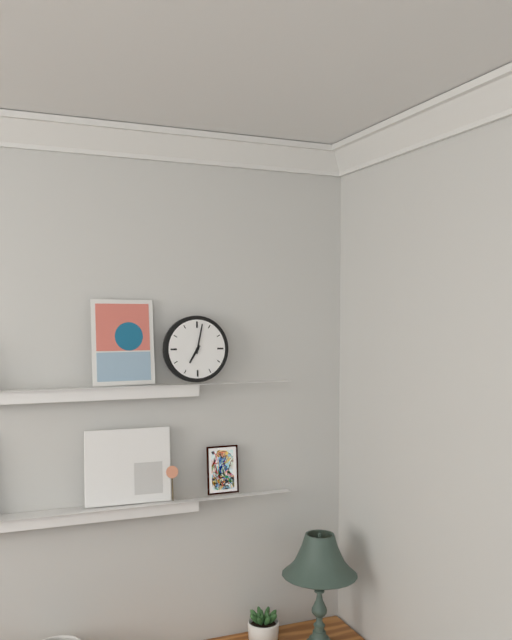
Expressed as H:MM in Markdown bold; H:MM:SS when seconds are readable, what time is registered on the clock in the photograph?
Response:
**7:02**
